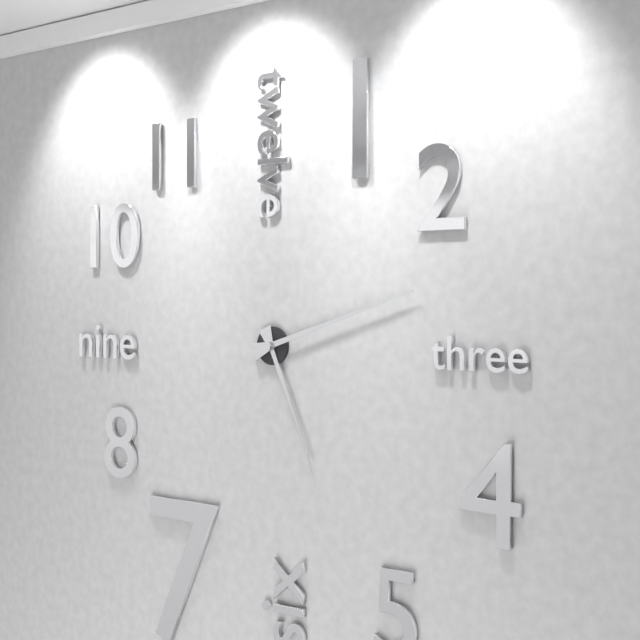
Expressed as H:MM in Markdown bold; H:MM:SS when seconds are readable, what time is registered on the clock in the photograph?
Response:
**5:12**
